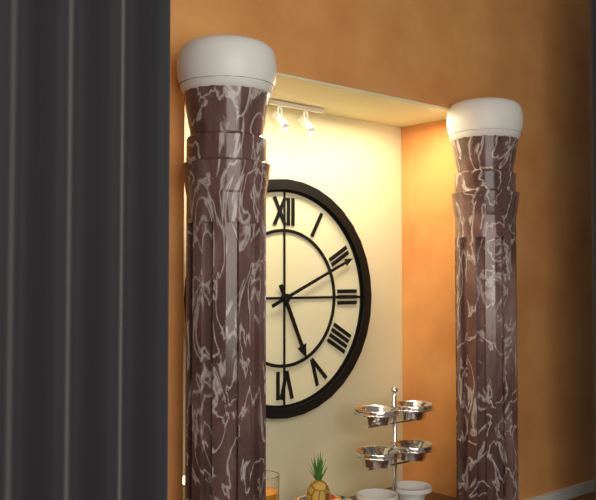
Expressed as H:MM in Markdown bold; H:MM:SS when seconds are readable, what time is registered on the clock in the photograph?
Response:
**5:11**
